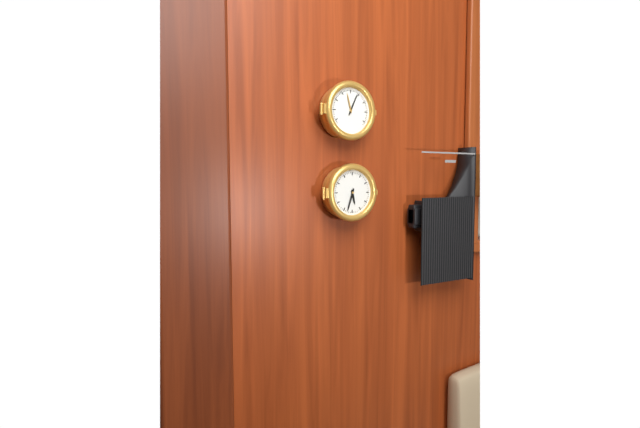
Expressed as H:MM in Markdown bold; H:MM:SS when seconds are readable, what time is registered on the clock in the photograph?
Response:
**5:33**
